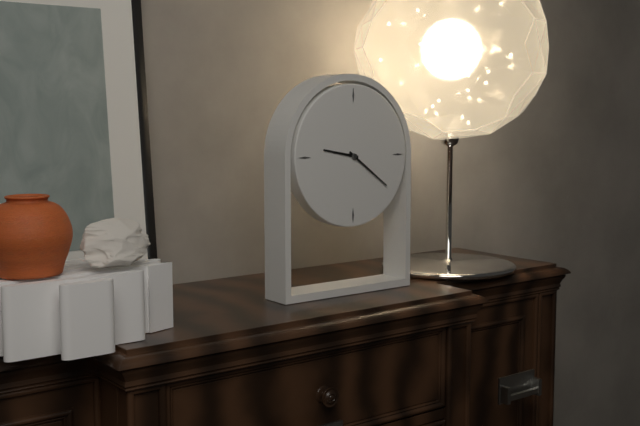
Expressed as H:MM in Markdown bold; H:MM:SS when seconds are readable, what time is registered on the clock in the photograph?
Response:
**9:21**
